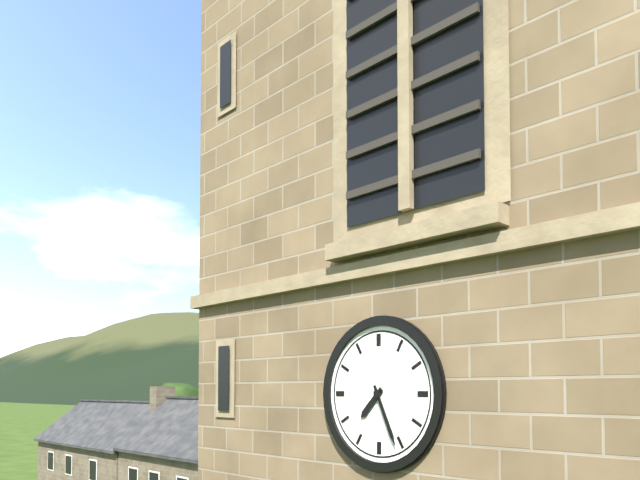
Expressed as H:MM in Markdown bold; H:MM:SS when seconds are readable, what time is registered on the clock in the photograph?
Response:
**7:26**
